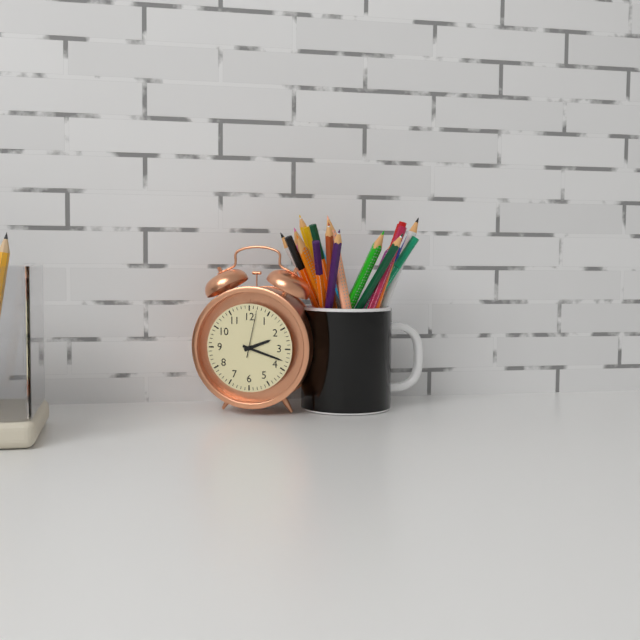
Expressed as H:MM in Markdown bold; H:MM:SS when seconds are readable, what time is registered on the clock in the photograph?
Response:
**2:18**
